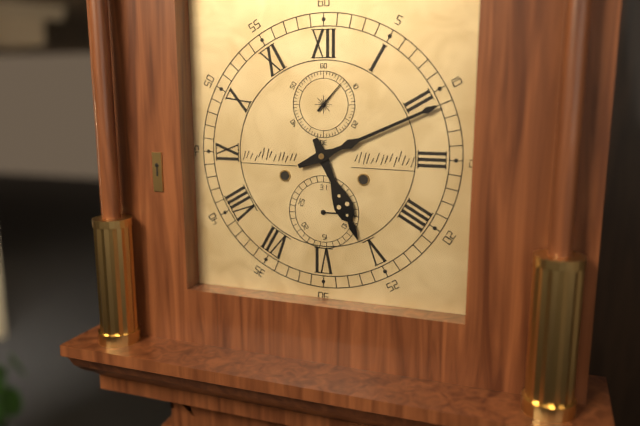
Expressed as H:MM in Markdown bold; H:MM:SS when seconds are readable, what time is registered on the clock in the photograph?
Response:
**5:11**
